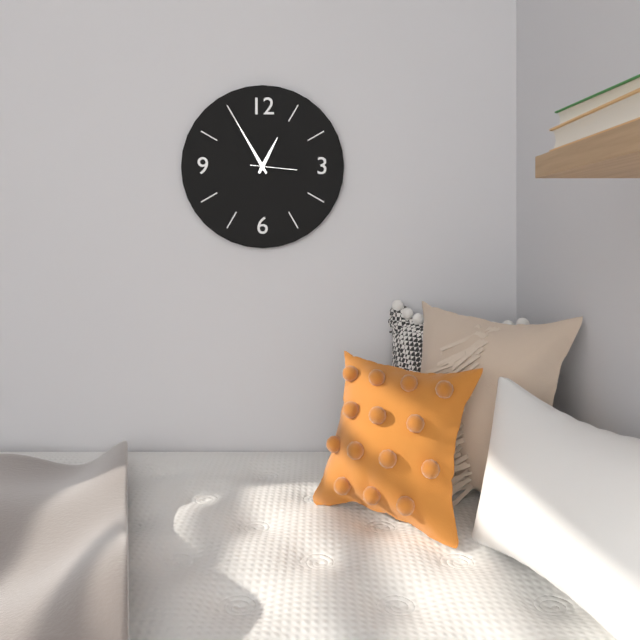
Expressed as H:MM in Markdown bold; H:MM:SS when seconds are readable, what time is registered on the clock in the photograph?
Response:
**12:55**
